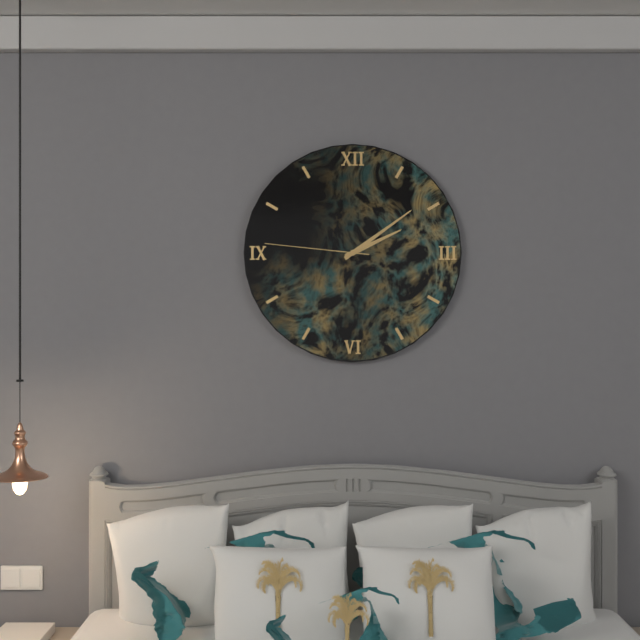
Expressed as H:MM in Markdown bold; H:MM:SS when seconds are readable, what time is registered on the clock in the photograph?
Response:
**2:09:46**
